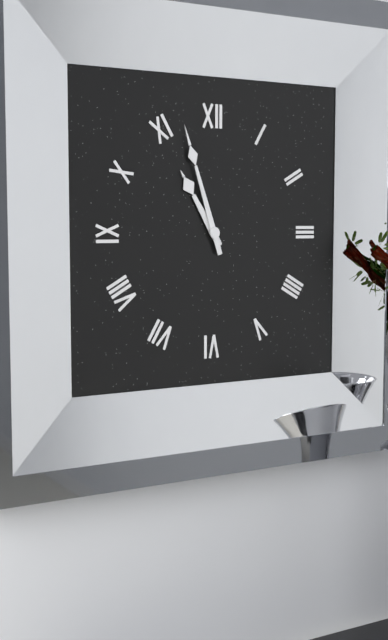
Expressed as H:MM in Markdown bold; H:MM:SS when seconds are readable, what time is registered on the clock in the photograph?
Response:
**10:57**
